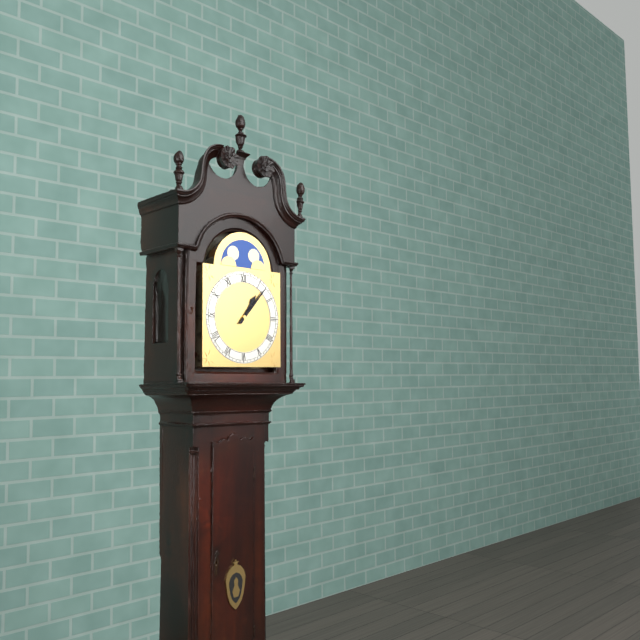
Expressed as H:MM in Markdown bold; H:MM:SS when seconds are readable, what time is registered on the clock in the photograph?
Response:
**1:07**
